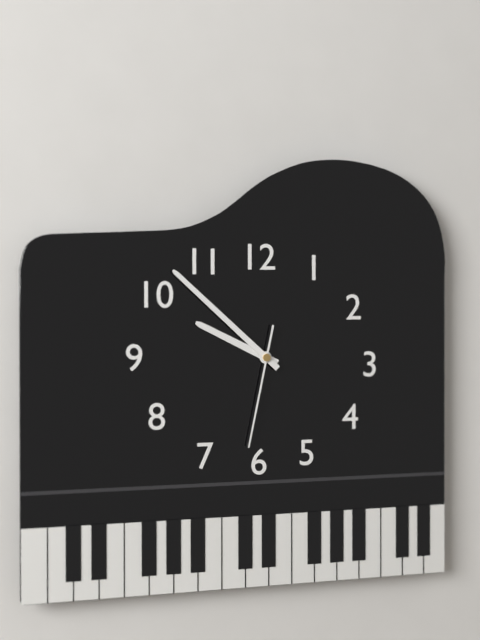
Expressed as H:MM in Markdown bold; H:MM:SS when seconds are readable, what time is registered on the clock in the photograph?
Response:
**9:52:32**
